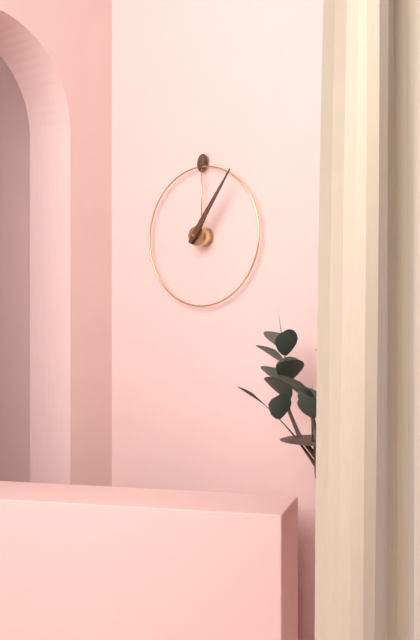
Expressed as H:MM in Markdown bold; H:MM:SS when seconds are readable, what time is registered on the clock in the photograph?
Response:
**1:06**
